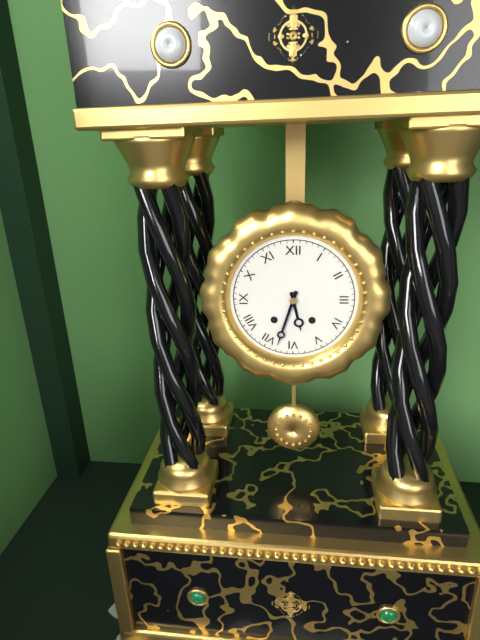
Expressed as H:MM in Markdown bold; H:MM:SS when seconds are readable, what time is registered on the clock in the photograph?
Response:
**5:33**
